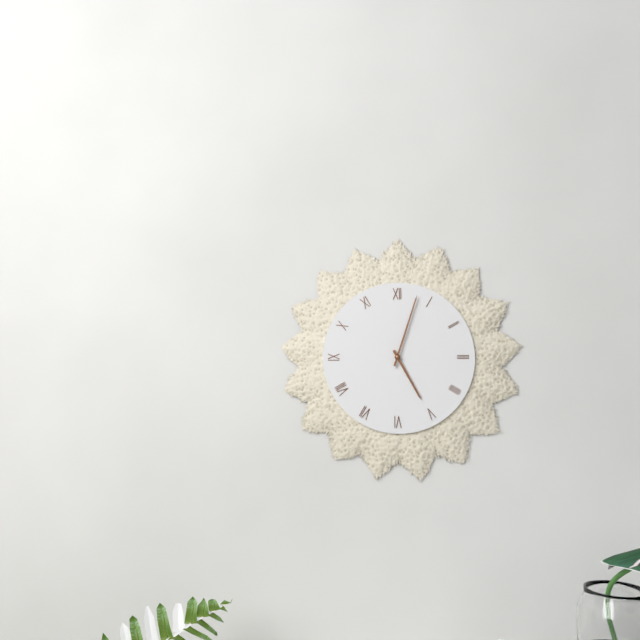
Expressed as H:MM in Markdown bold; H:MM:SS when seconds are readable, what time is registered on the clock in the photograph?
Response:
**5:03**
